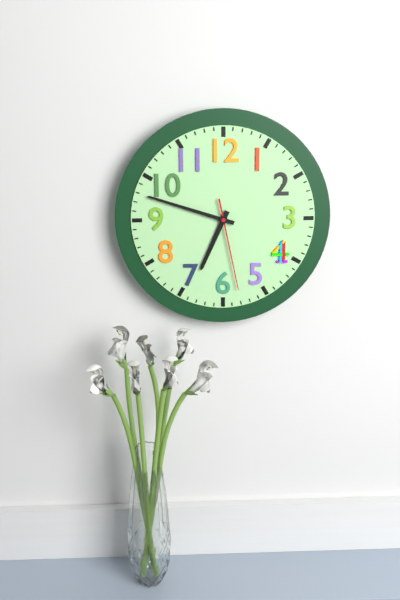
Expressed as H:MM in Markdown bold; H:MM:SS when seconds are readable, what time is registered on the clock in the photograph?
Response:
**6:48:28**
